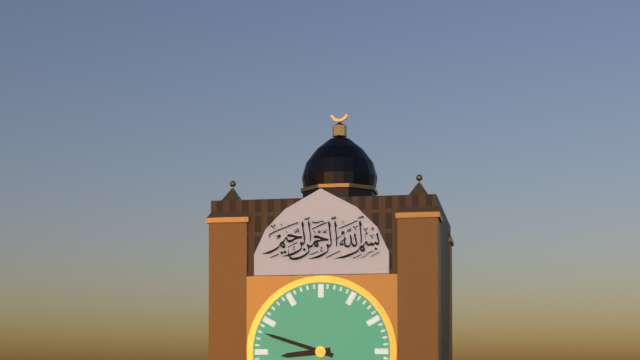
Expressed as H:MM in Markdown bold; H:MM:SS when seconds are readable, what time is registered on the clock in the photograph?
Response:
**8:48**
